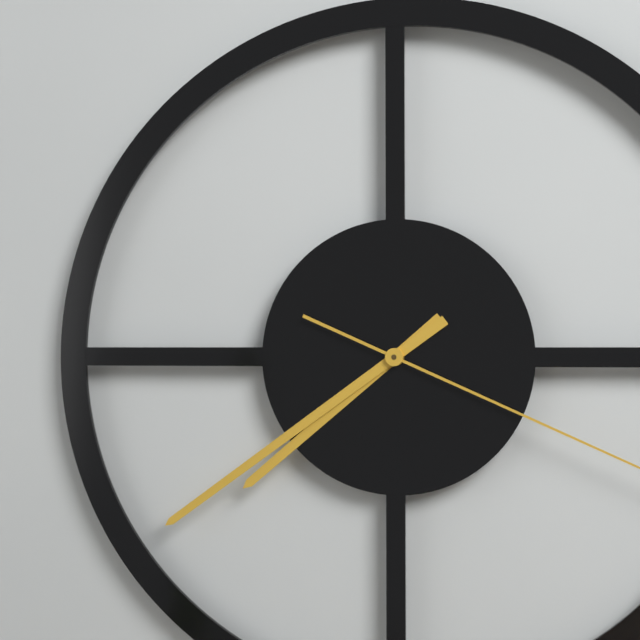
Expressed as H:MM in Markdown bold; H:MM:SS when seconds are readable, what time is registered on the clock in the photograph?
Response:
**7:39**
